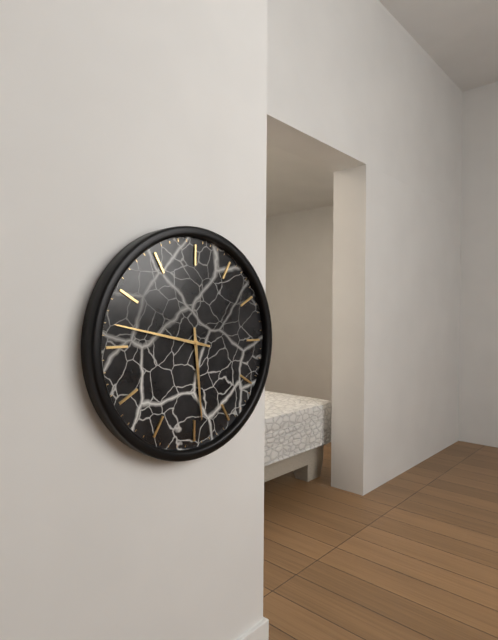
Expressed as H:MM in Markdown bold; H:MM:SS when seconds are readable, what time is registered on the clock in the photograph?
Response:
**5:47**
